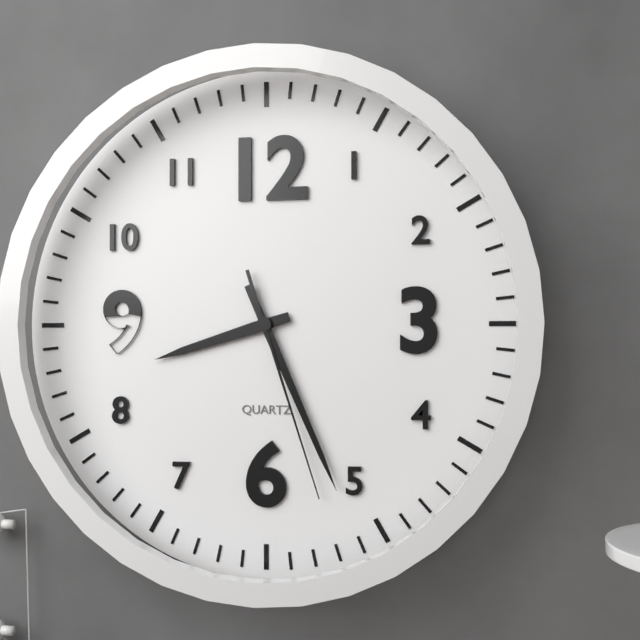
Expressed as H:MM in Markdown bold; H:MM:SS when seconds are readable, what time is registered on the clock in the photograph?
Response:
**8:26:27**
